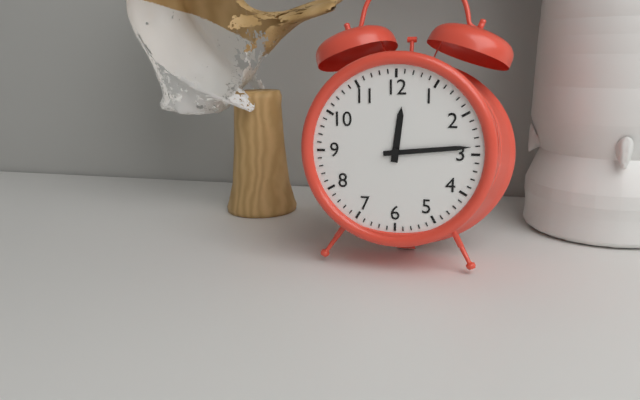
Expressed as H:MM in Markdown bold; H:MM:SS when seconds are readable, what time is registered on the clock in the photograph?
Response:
**12:14**
